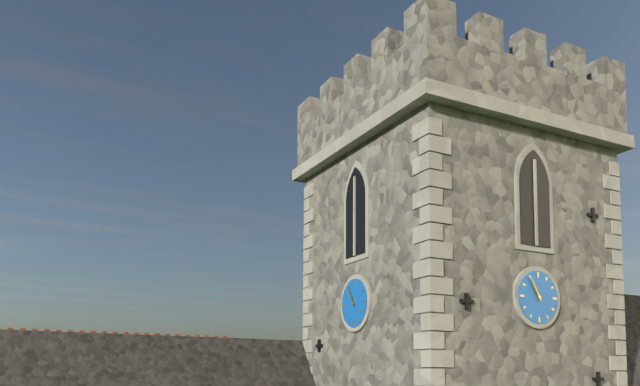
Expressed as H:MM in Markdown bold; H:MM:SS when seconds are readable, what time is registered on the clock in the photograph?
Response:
**10:55**
